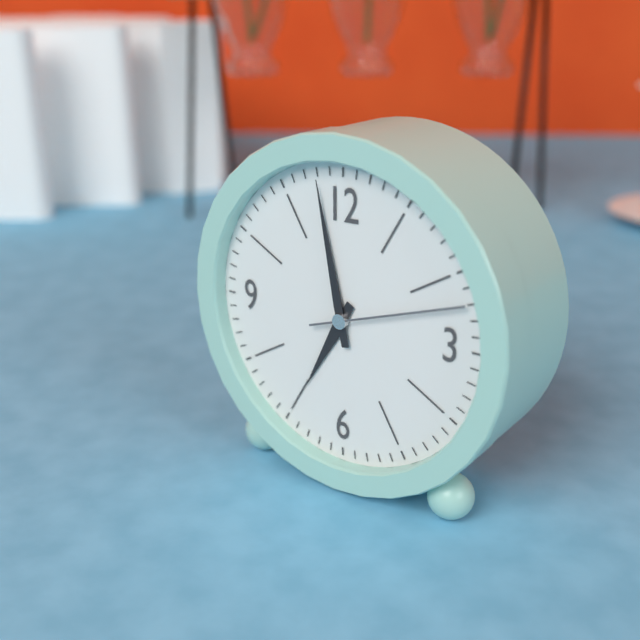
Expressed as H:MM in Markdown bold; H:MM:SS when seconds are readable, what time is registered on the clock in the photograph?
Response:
**6:58:12**
